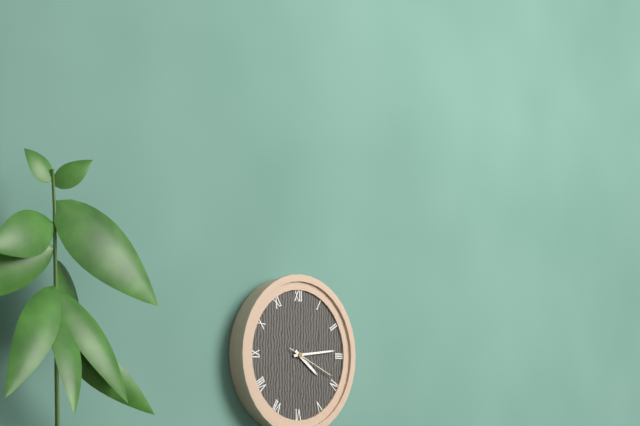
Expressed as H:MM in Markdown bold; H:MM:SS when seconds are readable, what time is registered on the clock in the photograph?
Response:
**4:14**
